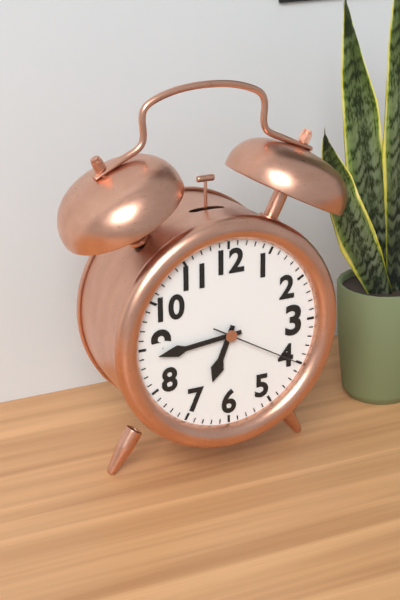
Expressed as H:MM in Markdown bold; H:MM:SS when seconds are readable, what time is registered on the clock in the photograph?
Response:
**6:44:20**
